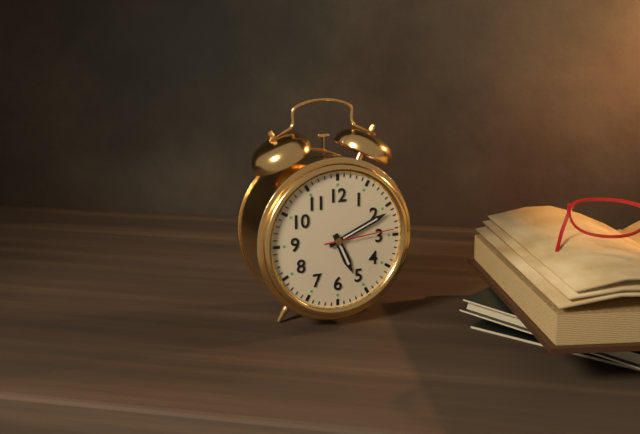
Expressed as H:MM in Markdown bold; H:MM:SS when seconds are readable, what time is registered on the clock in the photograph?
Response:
**5:11:14**
